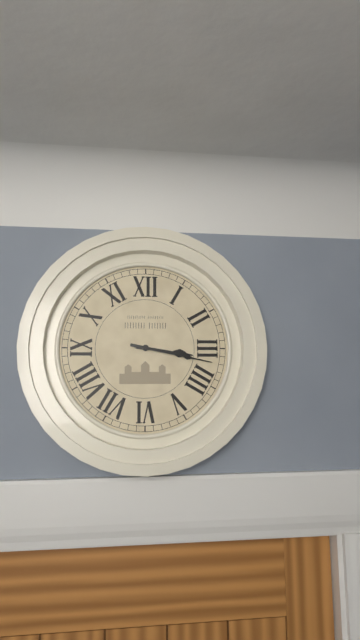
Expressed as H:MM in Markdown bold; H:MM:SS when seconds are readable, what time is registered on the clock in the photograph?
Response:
**3:17**
